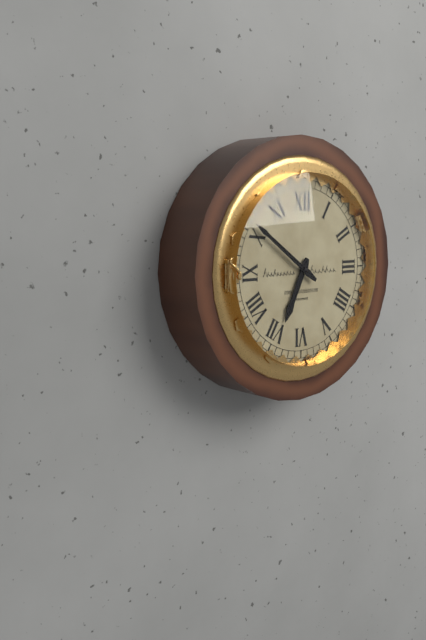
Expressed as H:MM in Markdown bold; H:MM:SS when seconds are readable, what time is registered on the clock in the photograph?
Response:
**6:51**
